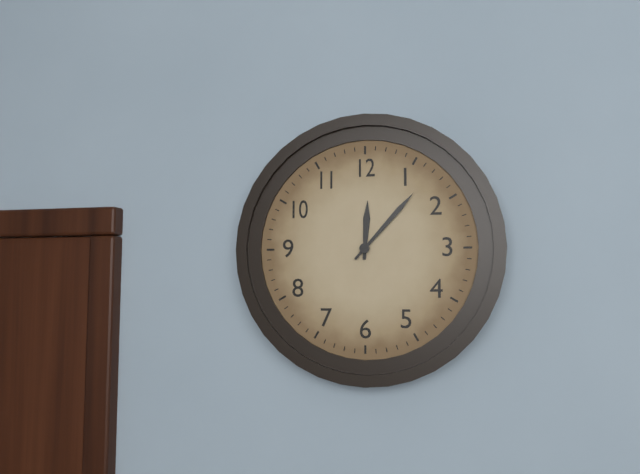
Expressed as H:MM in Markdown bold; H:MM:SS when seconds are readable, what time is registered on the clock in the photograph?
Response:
**12:07**
